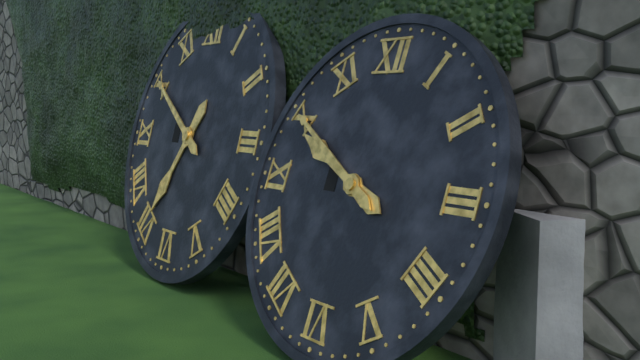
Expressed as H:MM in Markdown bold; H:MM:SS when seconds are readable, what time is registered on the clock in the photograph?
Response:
**9:50**
